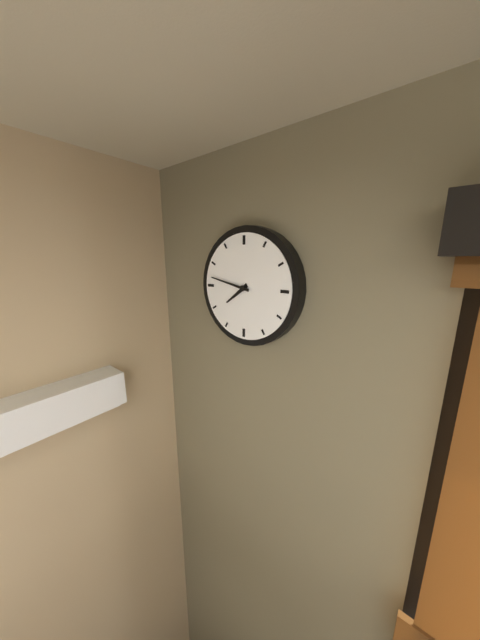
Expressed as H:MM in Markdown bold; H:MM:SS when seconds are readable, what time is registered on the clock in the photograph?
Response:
**7:47**
